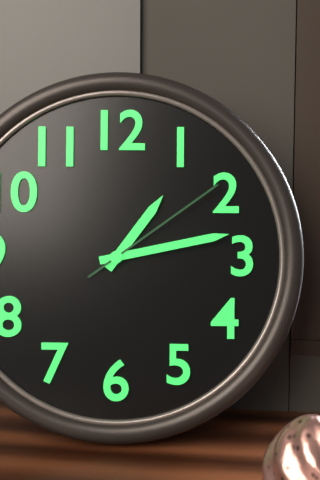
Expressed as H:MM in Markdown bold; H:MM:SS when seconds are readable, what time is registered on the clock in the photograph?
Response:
**1:13:09**
